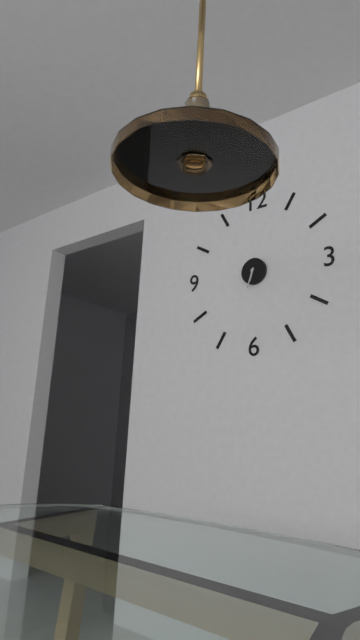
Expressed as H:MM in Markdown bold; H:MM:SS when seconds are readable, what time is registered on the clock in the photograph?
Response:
**6:33**
